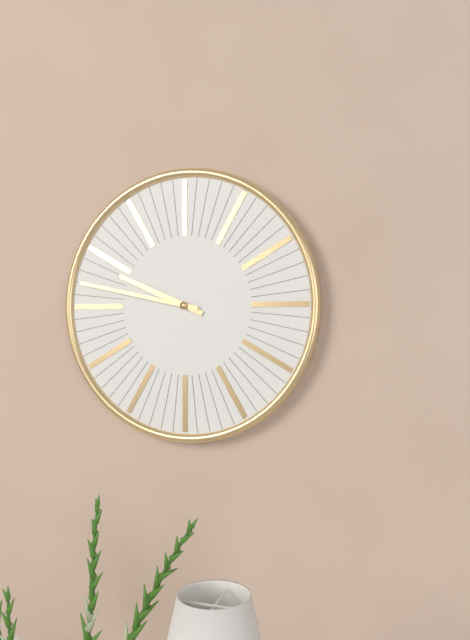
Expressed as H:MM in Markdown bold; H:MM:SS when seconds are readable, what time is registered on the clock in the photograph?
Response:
**9:47**
